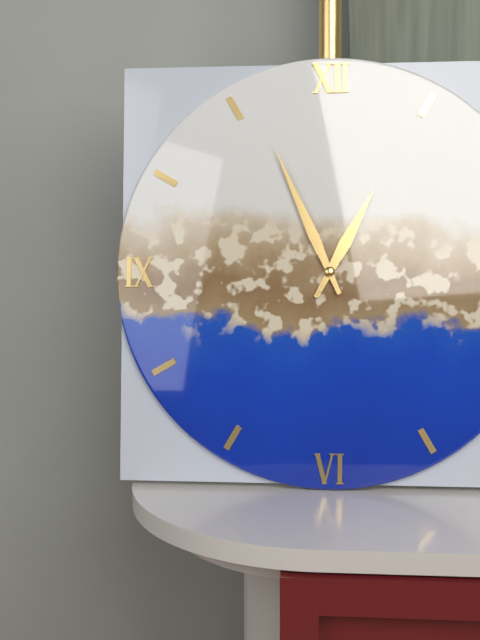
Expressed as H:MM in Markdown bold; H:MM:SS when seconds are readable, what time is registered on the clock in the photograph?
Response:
**12:56**
